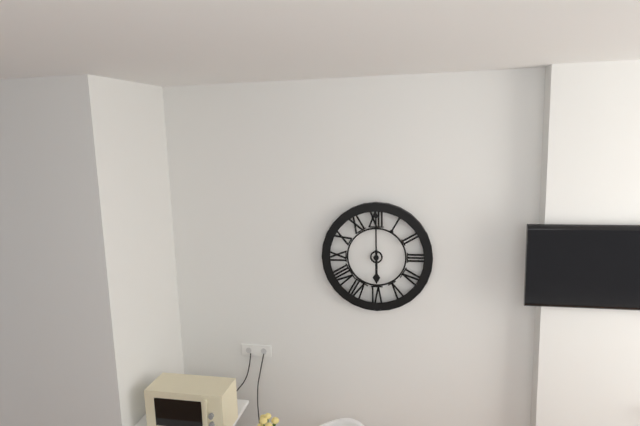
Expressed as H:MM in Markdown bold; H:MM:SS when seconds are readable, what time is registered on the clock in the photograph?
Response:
**6:00**
